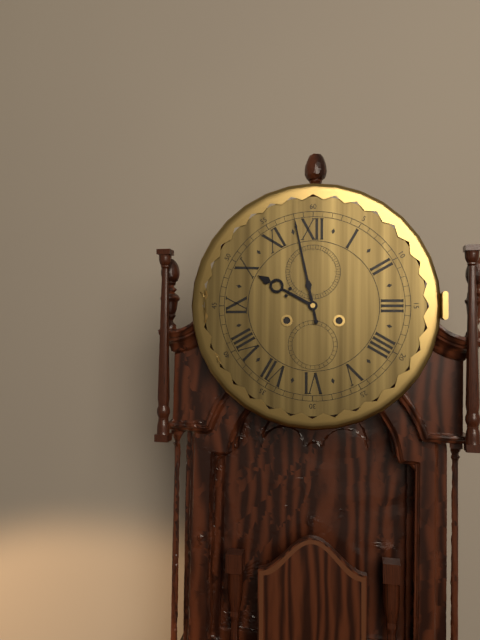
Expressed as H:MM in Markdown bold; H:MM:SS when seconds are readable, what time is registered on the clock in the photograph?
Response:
**9:58**
